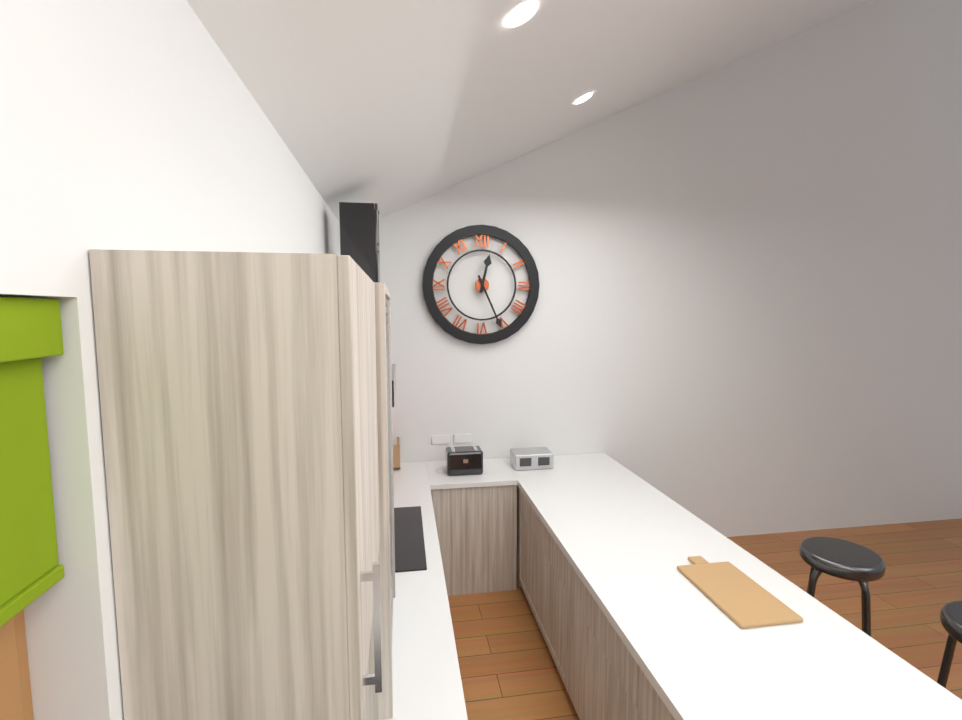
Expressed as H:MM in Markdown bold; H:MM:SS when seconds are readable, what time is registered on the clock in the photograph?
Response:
**12:26**
